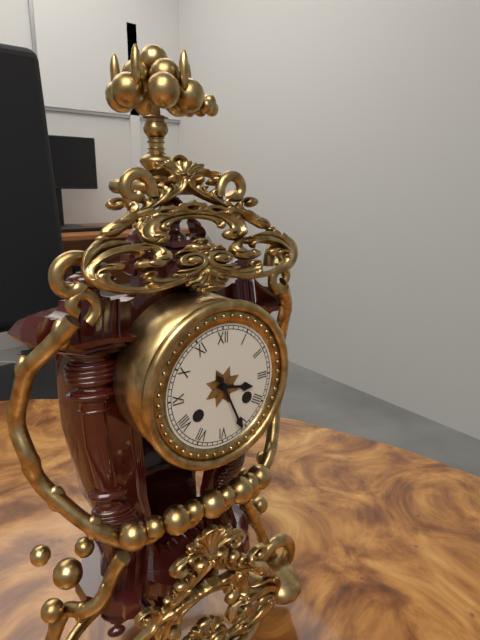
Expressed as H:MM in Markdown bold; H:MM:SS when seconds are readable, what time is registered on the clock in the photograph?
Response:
**3:26**
